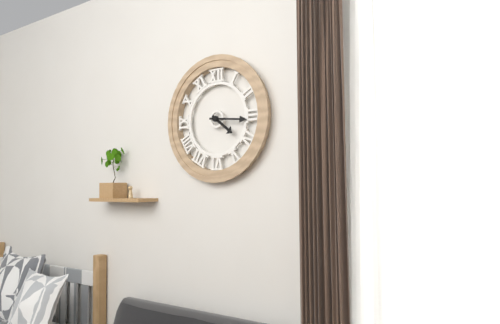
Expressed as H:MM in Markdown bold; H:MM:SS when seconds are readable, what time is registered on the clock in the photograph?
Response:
**4:16**
